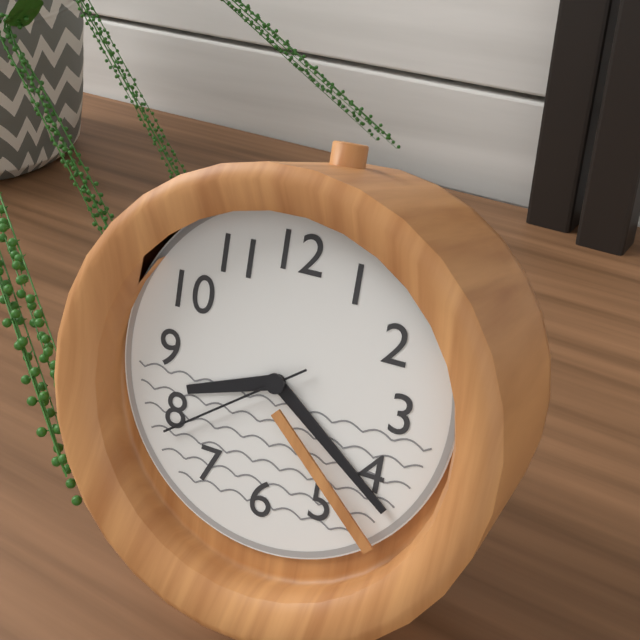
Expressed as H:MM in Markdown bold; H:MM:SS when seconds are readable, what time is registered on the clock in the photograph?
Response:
**8:21:39**
